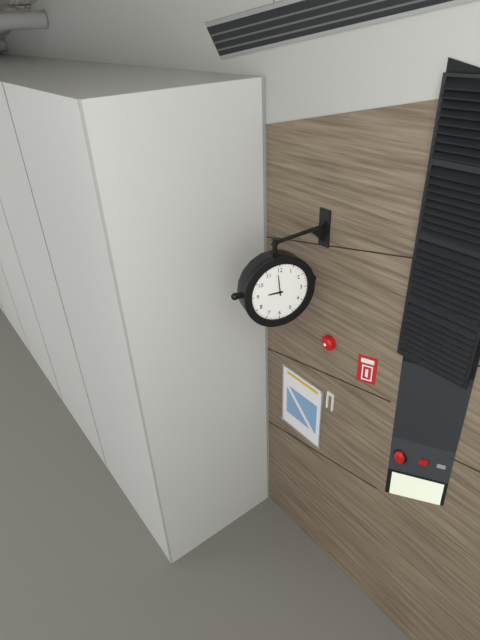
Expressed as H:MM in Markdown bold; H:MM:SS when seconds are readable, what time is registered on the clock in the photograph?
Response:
**8:59**
